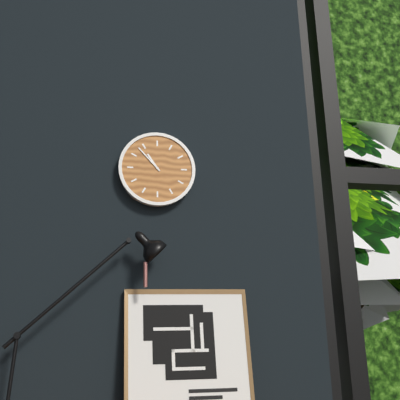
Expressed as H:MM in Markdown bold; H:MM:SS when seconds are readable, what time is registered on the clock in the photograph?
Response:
**10:53**
